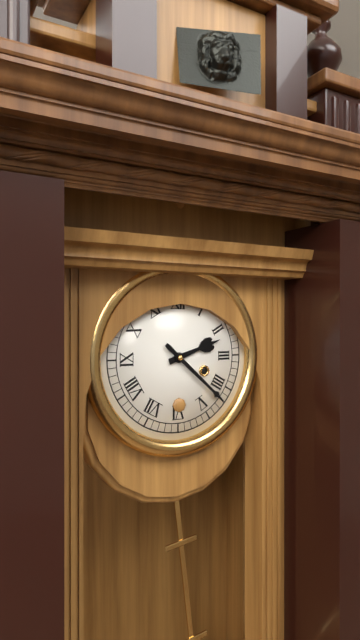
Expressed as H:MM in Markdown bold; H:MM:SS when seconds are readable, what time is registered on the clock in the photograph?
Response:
**2:22**
